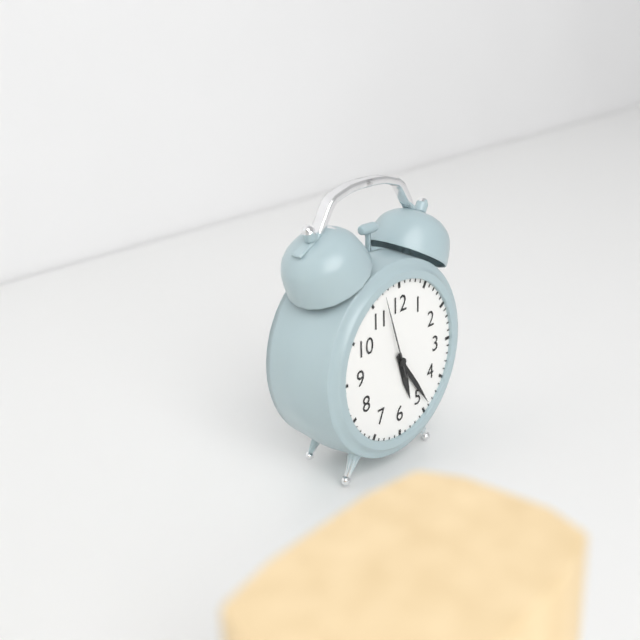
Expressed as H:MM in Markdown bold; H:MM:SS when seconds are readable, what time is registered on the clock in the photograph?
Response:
**5:24:57**
